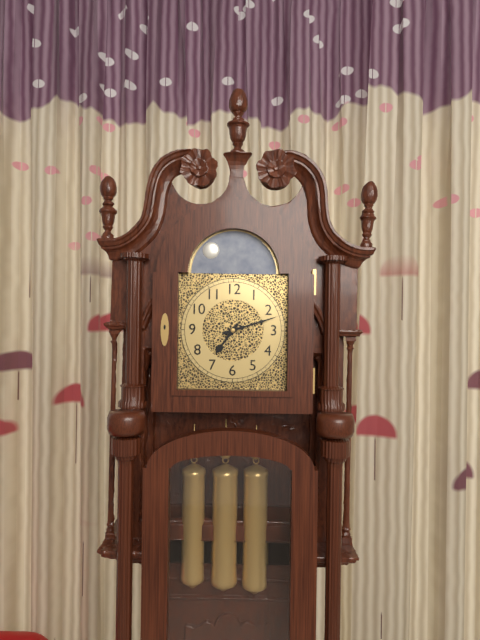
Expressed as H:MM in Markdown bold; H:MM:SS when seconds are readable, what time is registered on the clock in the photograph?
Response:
**7:12**
